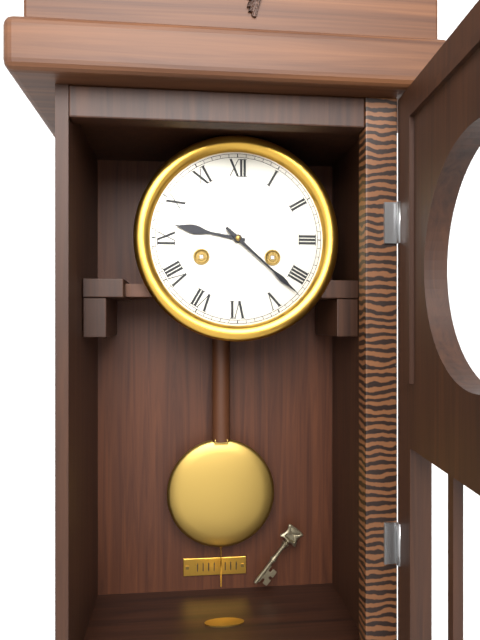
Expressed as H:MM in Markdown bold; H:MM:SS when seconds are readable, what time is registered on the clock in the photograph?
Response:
**9:22**
